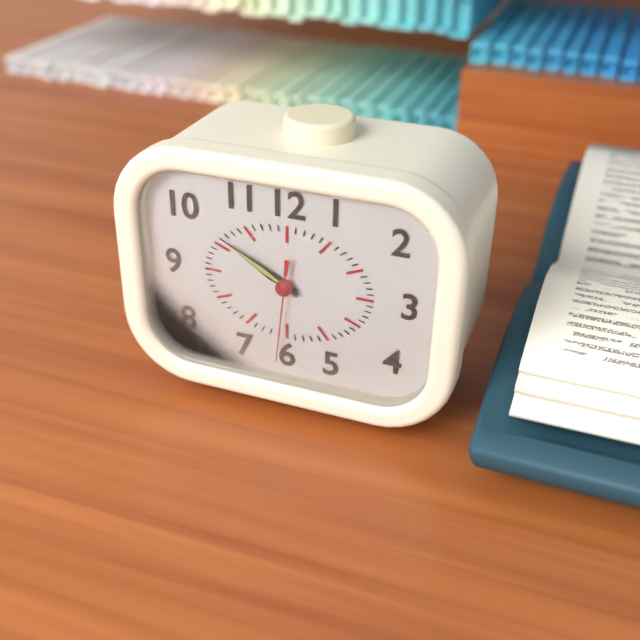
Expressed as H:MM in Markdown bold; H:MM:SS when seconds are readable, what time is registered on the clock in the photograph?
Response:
**9:50:31**
